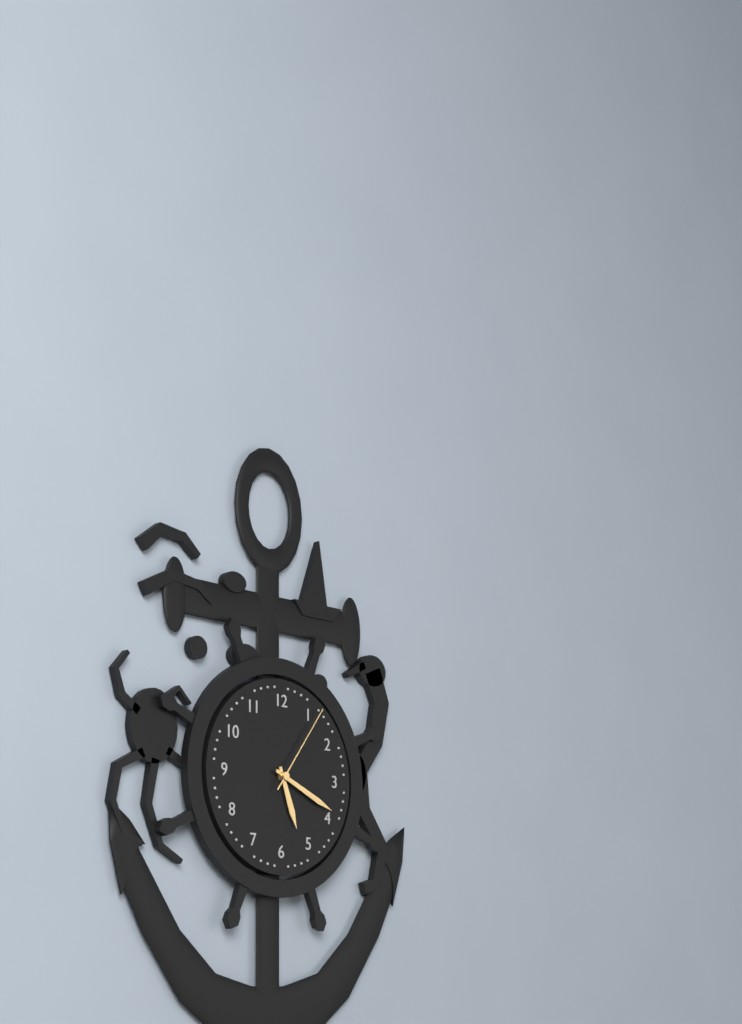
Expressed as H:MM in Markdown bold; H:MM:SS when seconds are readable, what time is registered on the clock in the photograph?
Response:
**5:19:06**
